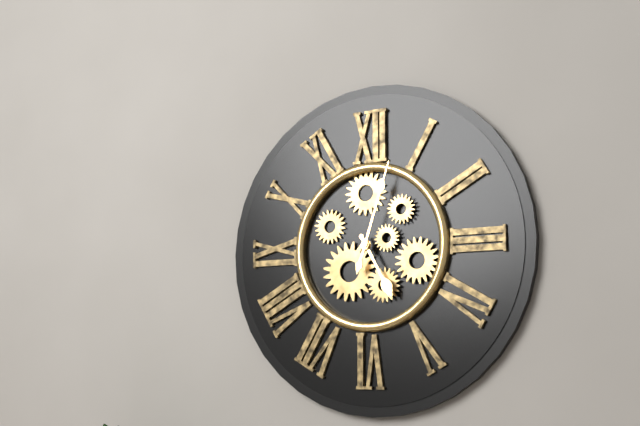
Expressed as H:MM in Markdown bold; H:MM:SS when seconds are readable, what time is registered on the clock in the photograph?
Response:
**5:03**
